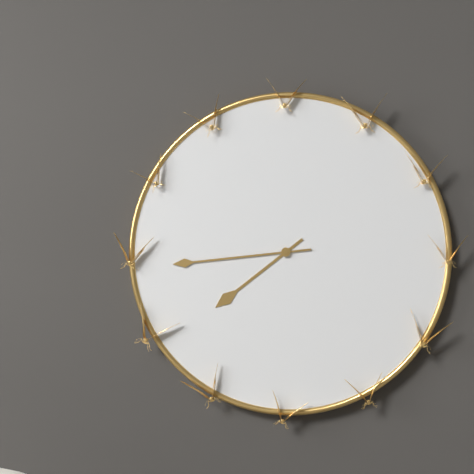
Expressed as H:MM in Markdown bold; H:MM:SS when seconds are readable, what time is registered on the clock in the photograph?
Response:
**7:44**
